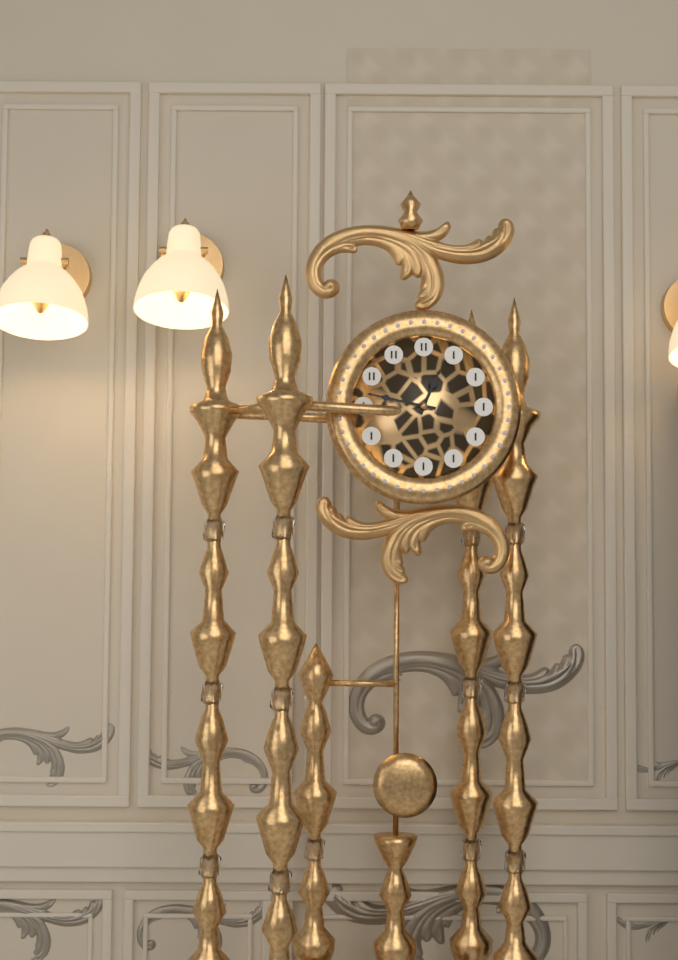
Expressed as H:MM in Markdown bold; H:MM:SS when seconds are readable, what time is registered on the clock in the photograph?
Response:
**12:47**
